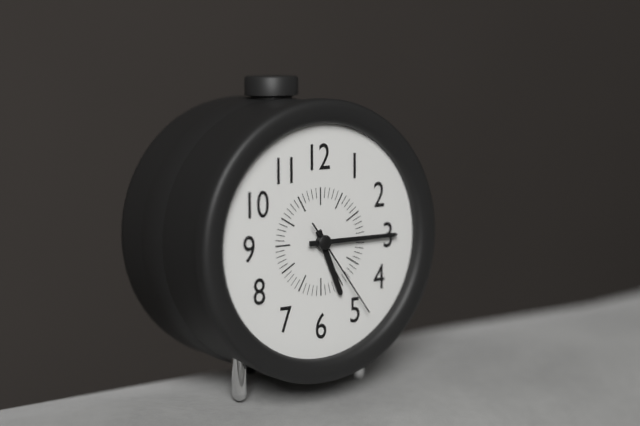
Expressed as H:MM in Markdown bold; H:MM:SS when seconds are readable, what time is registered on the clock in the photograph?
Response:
**5:15:24**
